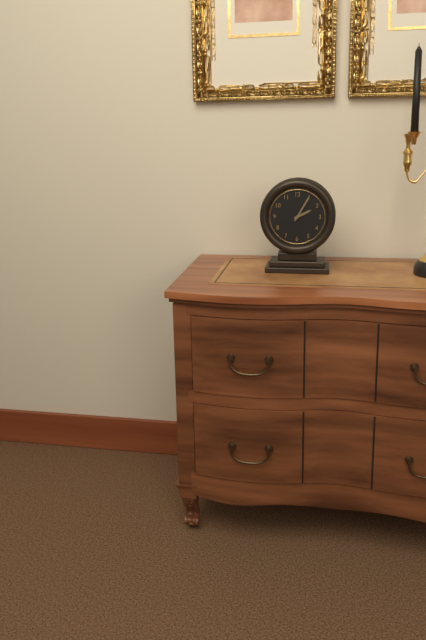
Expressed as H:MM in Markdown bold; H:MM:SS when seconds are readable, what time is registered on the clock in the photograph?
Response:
**2:05**
